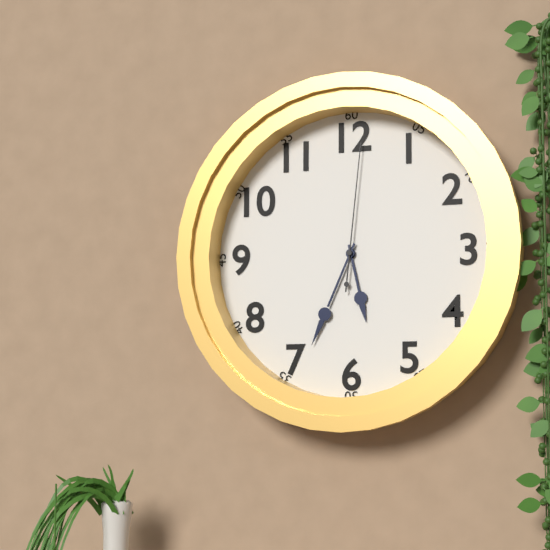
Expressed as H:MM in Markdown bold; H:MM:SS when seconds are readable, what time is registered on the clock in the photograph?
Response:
**5:34:01**
